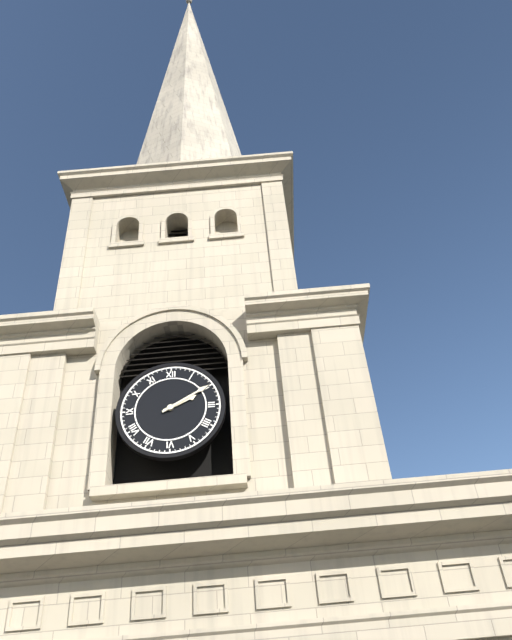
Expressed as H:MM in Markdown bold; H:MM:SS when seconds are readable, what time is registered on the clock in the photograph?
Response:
**2:10**
